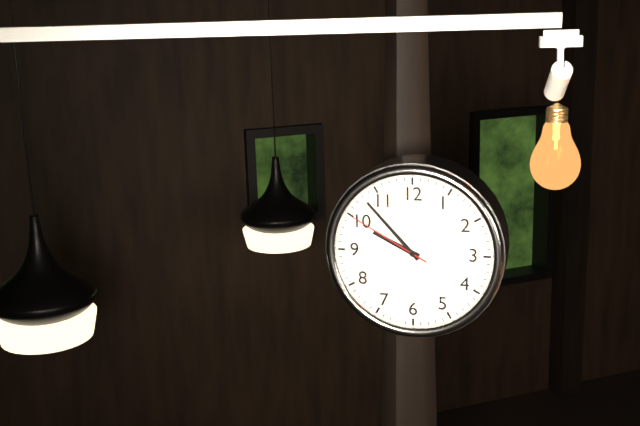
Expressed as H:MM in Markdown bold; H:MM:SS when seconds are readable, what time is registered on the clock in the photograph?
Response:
**9:53:50**
